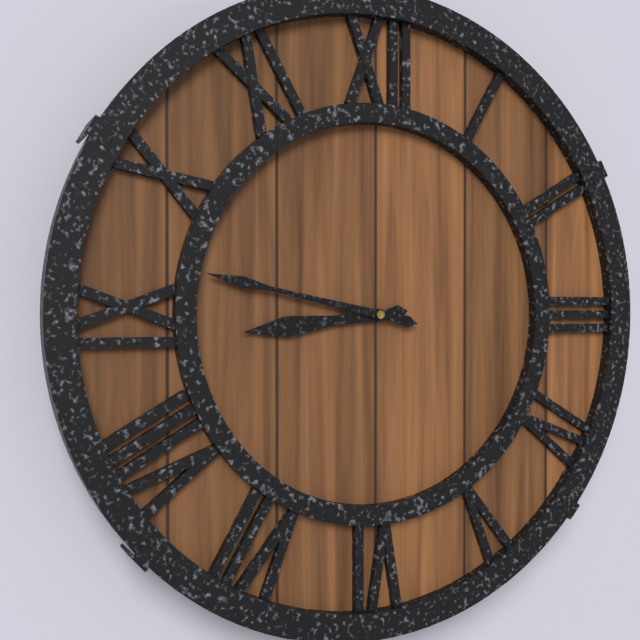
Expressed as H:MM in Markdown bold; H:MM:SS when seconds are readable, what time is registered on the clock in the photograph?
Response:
**8:47**
